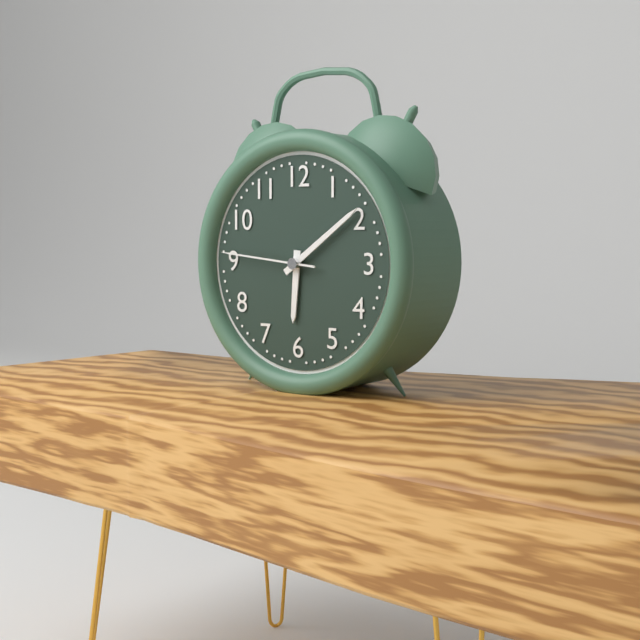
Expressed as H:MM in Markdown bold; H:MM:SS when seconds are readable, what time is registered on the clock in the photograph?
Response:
**6:09:46**
